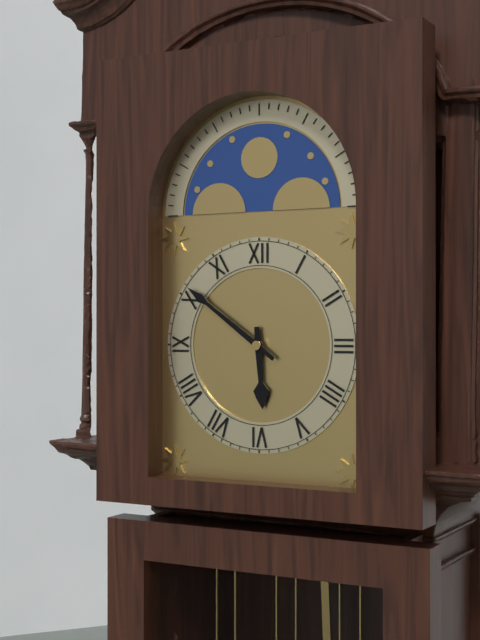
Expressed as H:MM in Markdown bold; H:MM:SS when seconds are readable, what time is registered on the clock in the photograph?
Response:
**5:51**
